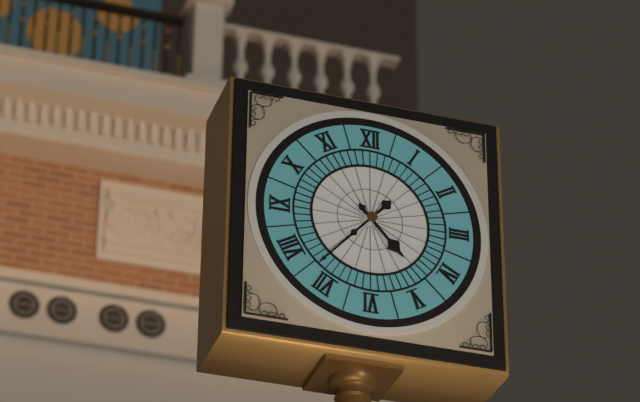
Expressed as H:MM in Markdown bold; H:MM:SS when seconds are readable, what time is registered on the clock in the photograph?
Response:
**4:37**
